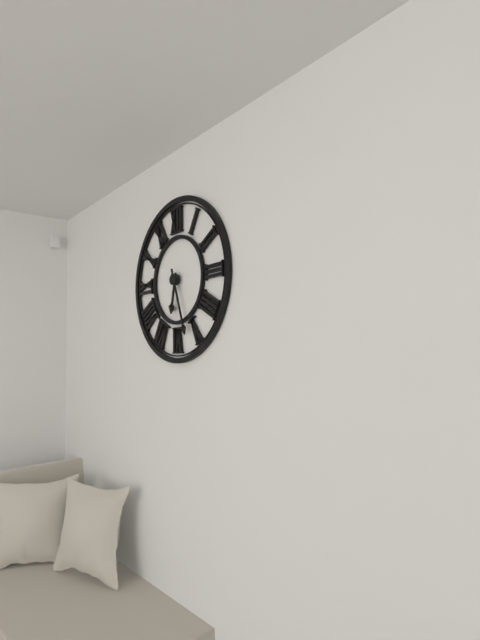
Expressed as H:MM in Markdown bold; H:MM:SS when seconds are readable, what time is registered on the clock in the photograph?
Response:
**6:27**
